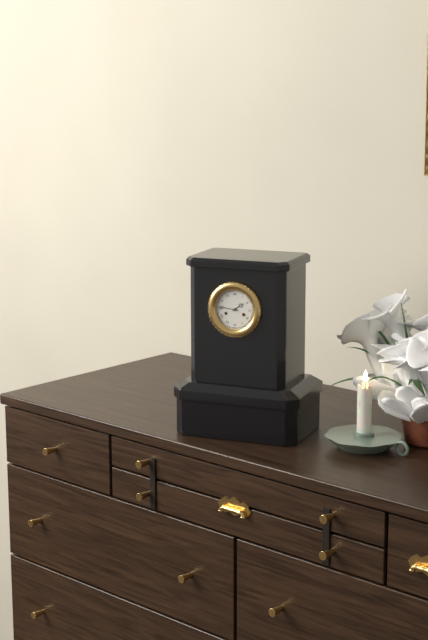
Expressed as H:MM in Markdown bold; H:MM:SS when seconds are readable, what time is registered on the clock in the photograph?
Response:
**1:46**
